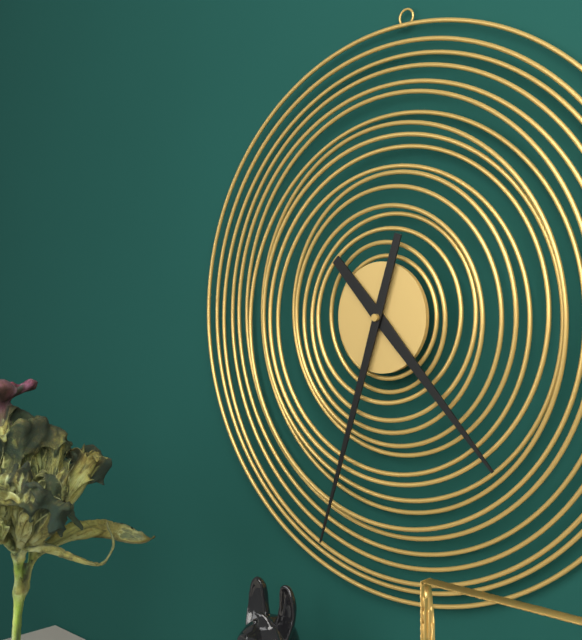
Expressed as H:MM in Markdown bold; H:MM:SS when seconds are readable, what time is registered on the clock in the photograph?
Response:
**4:33**
